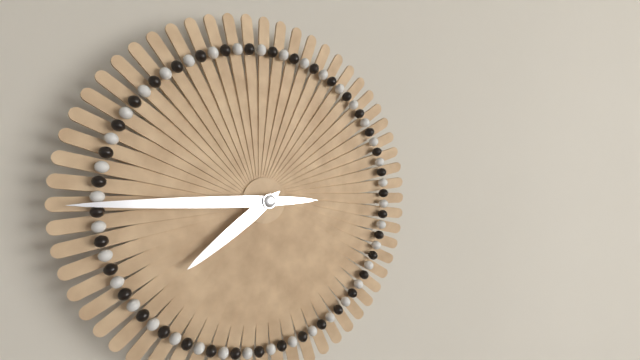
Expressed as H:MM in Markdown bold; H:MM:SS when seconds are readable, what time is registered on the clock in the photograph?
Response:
**7:45**
